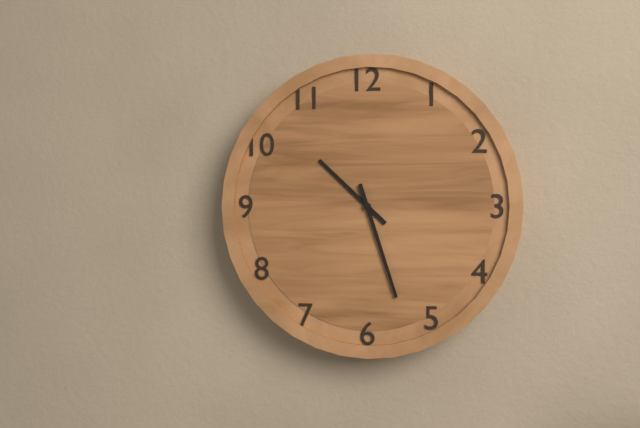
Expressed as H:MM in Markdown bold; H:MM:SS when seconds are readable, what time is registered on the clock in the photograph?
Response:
**10:27**
